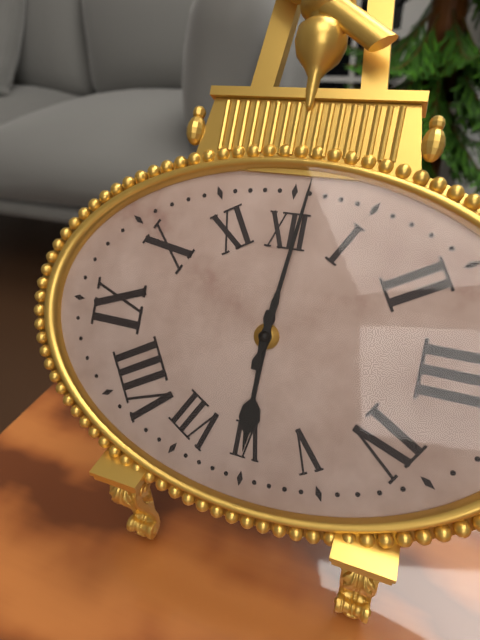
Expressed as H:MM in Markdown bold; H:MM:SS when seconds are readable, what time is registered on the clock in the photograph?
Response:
**6:01**
